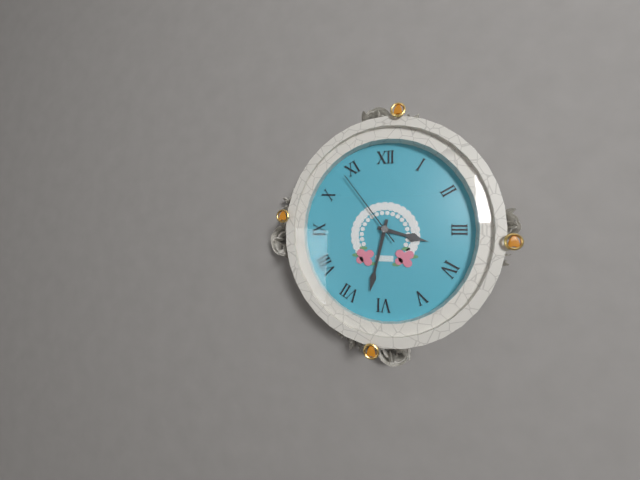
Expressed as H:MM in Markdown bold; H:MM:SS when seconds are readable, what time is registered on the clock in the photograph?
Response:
**3:32:54**
